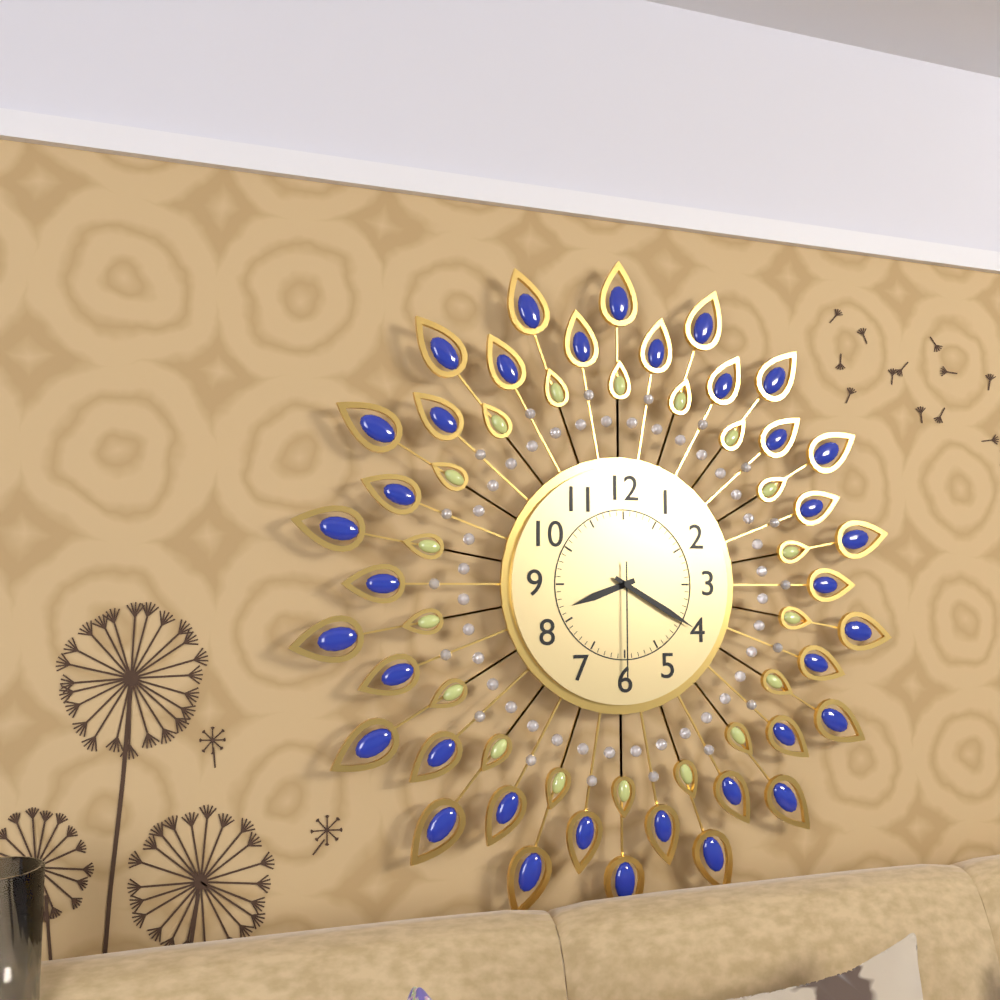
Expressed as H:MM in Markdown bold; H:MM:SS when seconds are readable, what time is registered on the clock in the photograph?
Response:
**8:20:30**
